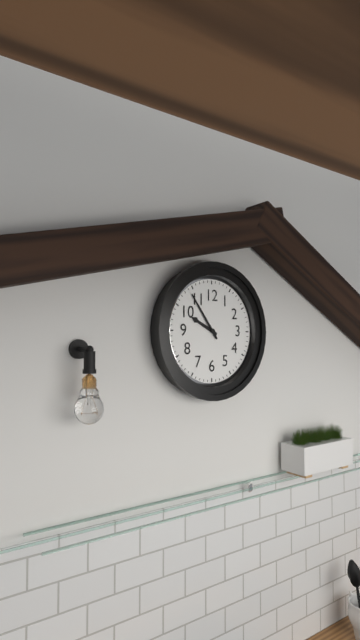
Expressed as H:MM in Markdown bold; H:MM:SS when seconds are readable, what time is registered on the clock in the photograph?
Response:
**9:54**
